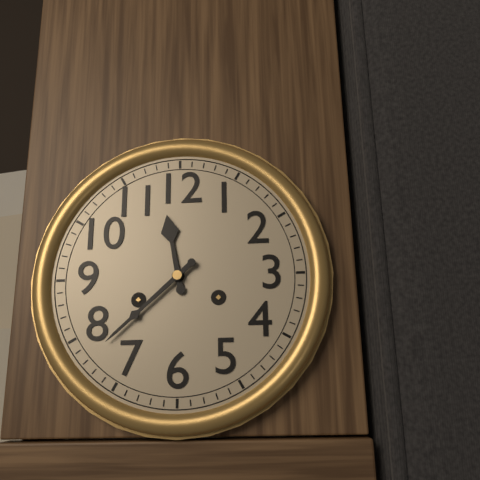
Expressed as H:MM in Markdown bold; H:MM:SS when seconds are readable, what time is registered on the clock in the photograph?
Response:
**11:38**
